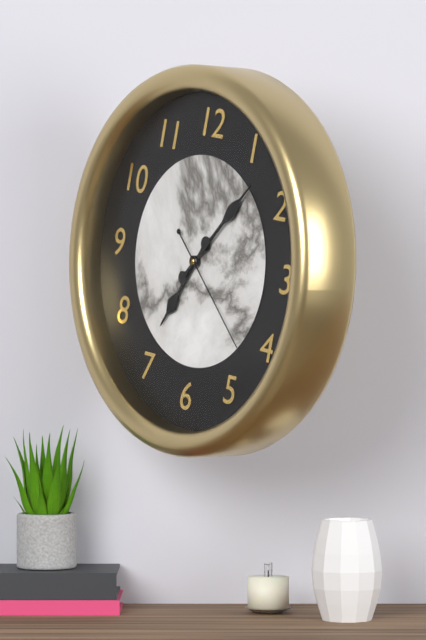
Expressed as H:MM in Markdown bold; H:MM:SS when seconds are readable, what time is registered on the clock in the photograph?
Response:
**7:07:22**
